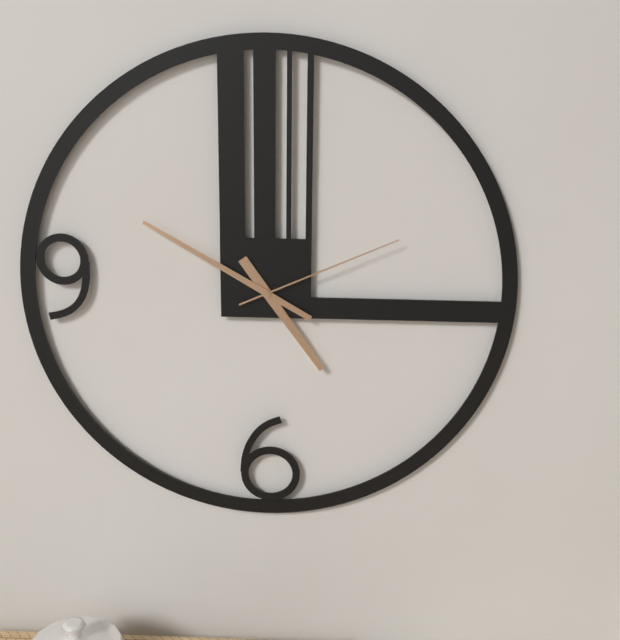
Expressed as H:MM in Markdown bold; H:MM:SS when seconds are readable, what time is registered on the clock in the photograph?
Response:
**4:50:11**
